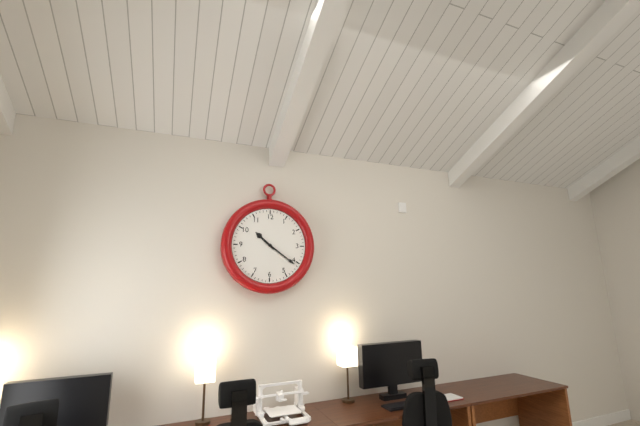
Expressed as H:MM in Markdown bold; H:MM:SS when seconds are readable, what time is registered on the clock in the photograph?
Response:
**10:21**
